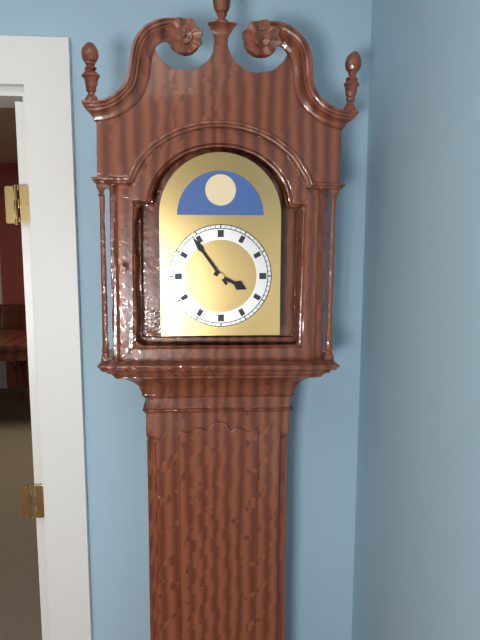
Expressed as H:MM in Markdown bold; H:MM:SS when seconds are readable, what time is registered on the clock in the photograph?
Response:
**3:54**
